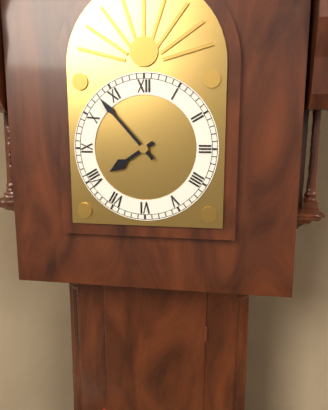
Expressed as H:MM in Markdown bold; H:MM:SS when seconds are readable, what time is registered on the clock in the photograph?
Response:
**7:53**
